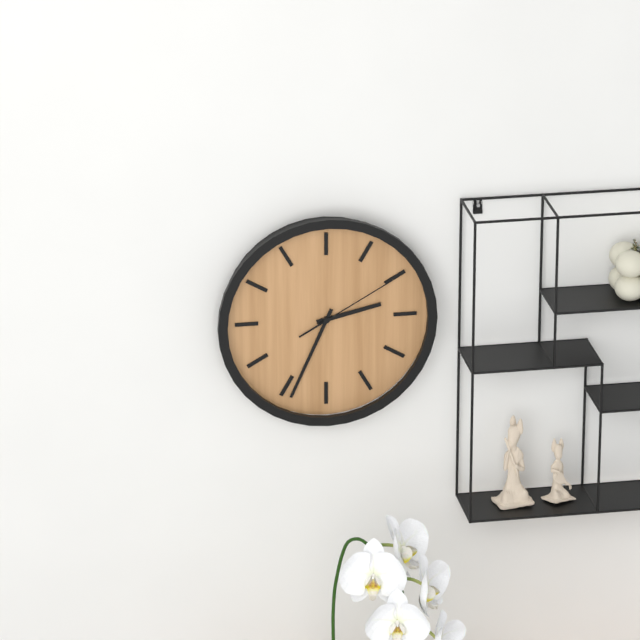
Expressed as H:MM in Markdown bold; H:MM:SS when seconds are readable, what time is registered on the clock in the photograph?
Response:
**2:34:10**
